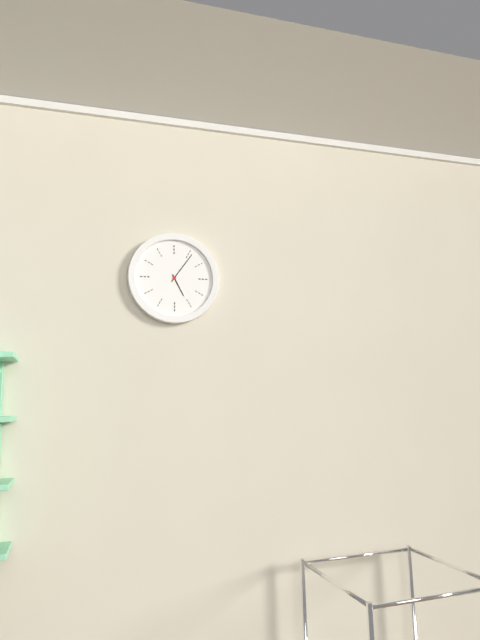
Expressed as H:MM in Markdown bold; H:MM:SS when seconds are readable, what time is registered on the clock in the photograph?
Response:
**5:06**
